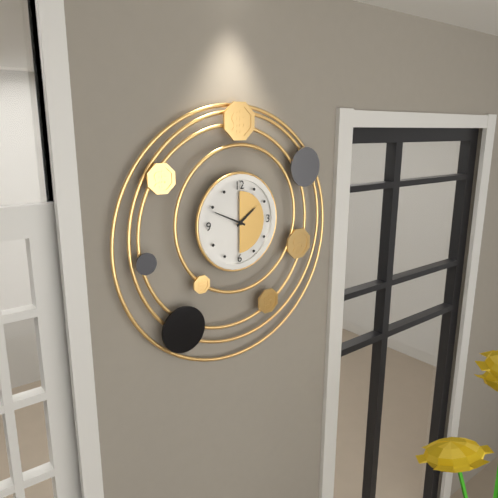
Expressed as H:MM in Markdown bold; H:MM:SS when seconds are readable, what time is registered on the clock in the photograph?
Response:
**1:49**
